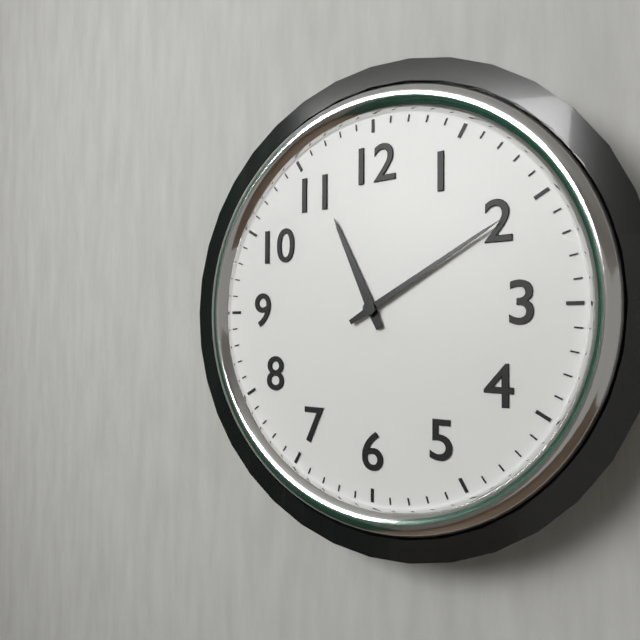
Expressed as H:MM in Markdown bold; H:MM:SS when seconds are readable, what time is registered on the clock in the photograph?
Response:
**11:10**
